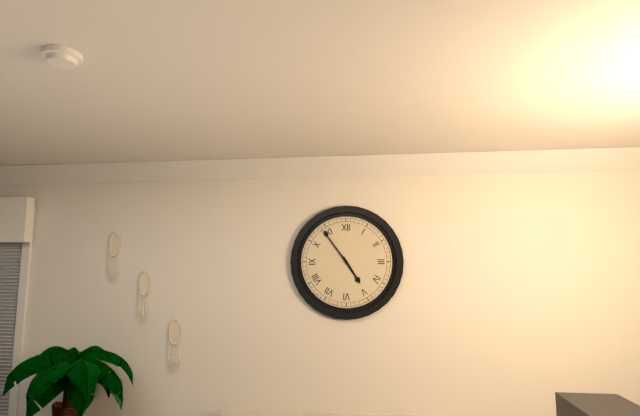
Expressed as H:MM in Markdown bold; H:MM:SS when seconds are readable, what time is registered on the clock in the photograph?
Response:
**4:54**
